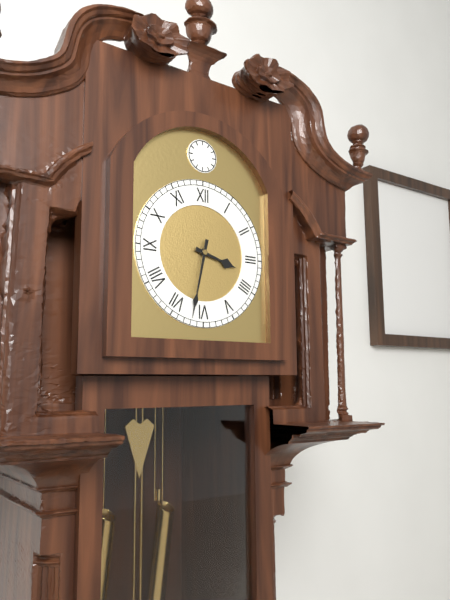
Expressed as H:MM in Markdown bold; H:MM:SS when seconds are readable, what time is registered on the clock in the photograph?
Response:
**3:32**
